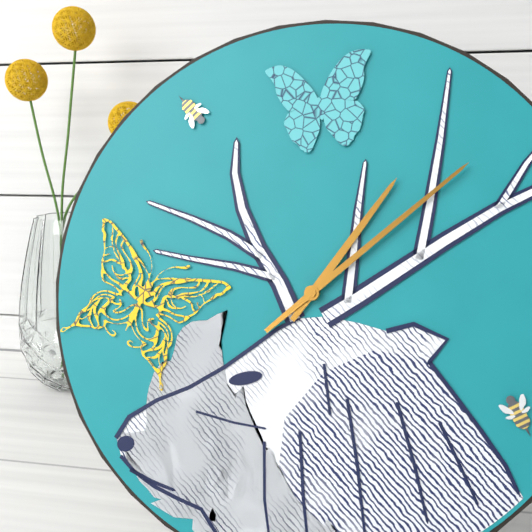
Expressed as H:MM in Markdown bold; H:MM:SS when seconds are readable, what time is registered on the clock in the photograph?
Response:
**1:08**
